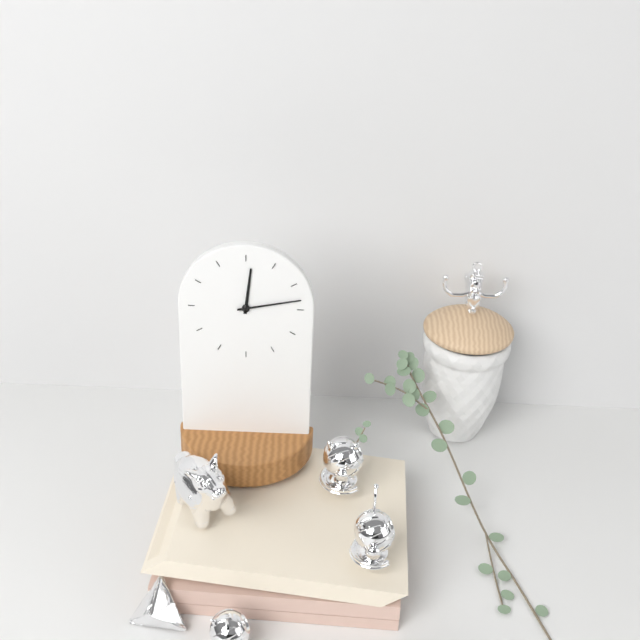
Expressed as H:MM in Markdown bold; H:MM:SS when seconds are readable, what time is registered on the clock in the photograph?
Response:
**12:13**
